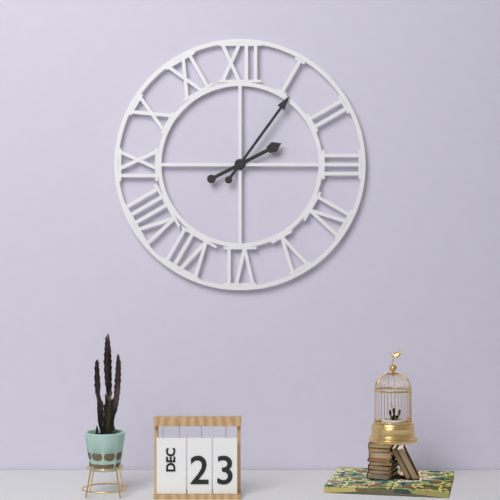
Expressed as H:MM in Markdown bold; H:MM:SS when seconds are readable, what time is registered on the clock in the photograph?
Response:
**2:06**
